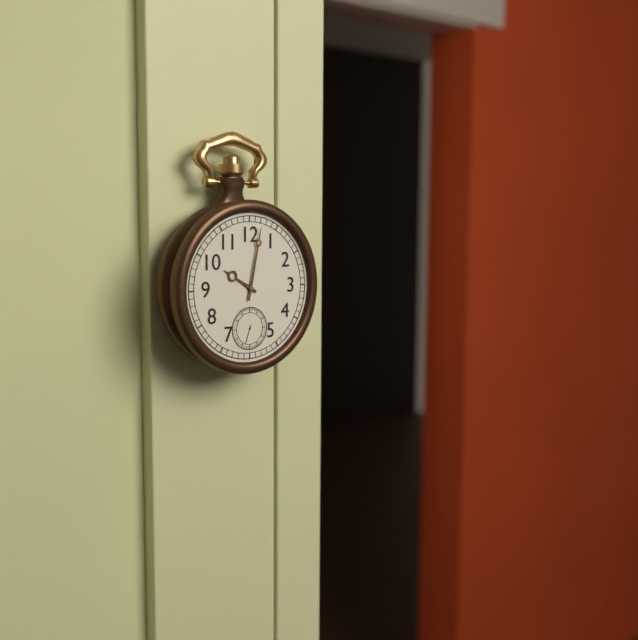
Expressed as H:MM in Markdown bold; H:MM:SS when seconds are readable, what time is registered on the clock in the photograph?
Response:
**10:02**
